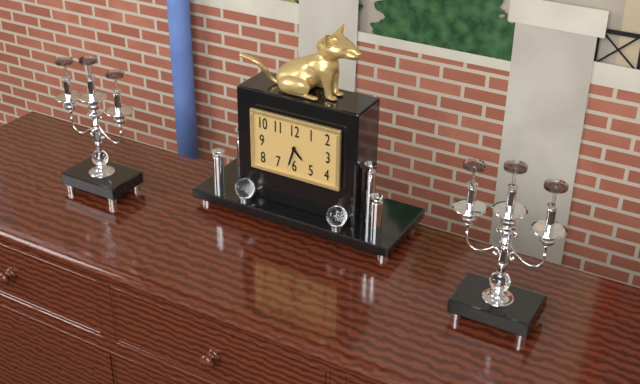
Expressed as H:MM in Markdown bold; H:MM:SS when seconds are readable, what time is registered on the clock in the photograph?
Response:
**4:33**
